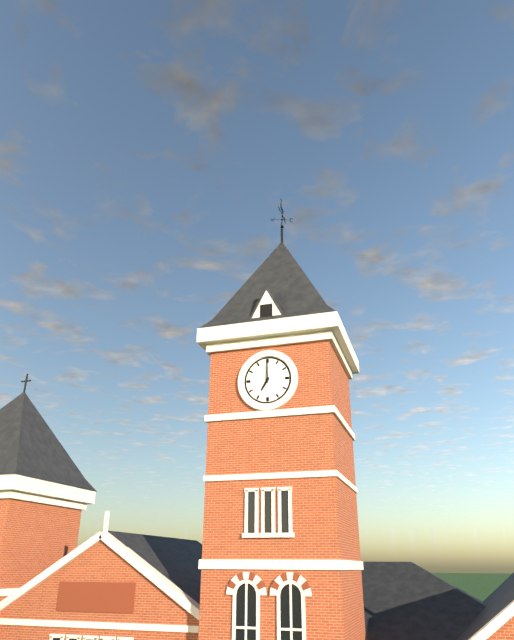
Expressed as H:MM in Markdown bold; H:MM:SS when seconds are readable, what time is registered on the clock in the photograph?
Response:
**7:00**
